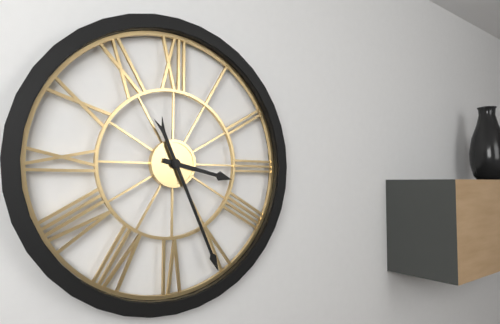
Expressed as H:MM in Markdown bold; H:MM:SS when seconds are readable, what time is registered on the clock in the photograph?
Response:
**3:26**
